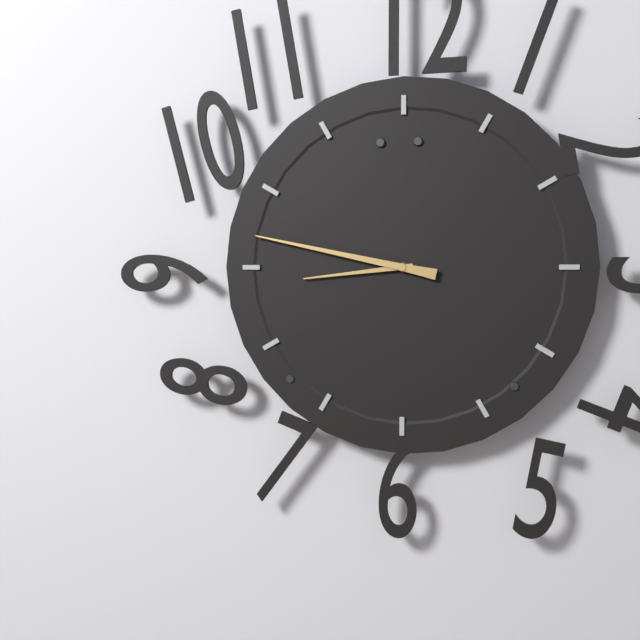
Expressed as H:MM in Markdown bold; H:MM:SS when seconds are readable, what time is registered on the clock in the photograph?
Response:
**8:47**
